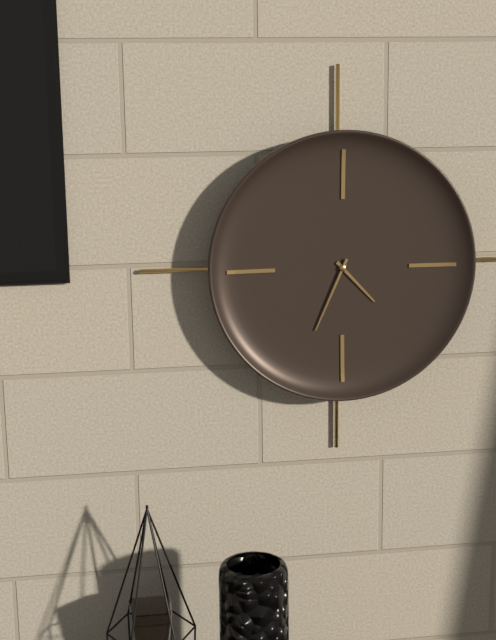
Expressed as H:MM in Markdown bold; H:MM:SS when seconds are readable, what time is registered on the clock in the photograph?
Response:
**4:34**
